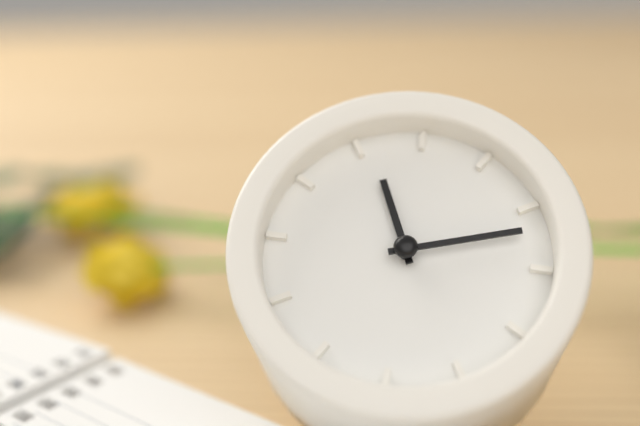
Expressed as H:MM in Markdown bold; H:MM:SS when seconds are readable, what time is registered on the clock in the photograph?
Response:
**11:12**
